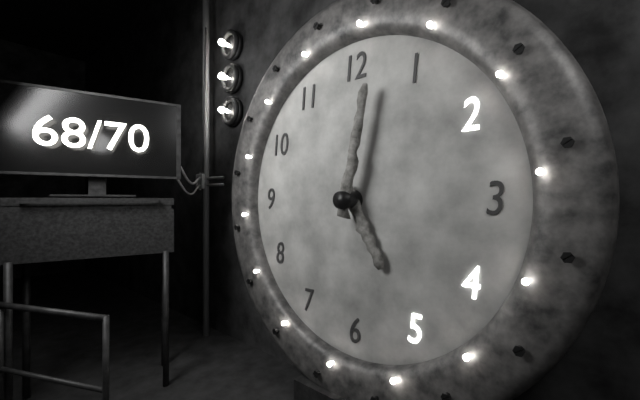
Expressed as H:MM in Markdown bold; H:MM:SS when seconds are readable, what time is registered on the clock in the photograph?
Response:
**5:02**
